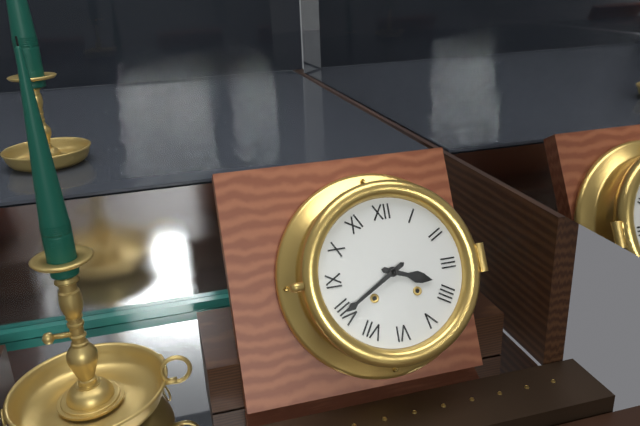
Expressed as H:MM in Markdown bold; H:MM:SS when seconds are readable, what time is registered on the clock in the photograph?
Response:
**3:40**
